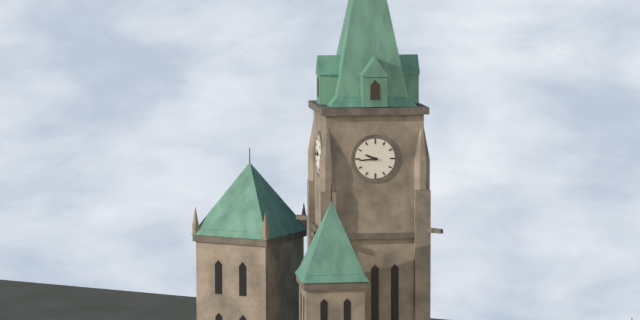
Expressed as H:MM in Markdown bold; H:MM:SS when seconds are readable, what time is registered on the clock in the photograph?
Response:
**9:44**
